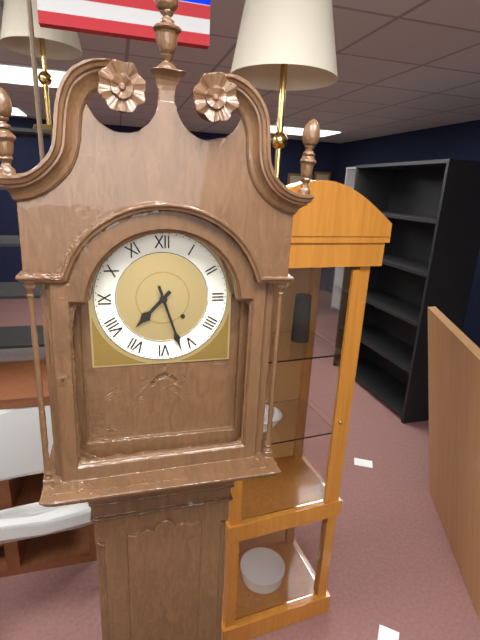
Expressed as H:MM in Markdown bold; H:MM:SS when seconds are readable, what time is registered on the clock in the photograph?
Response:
**7:27**
